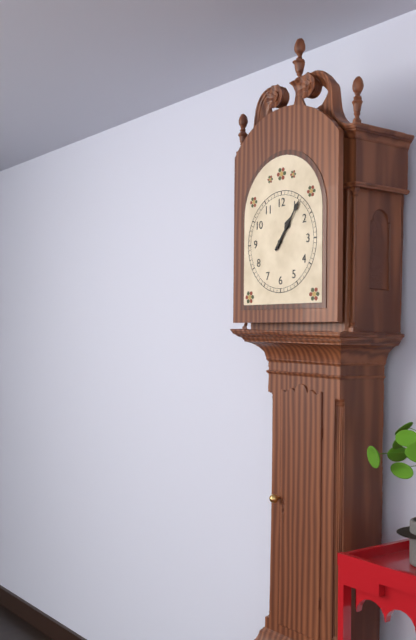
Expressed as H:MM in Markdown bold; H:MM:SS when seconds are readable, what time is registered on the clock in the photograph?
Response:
**1:06**
